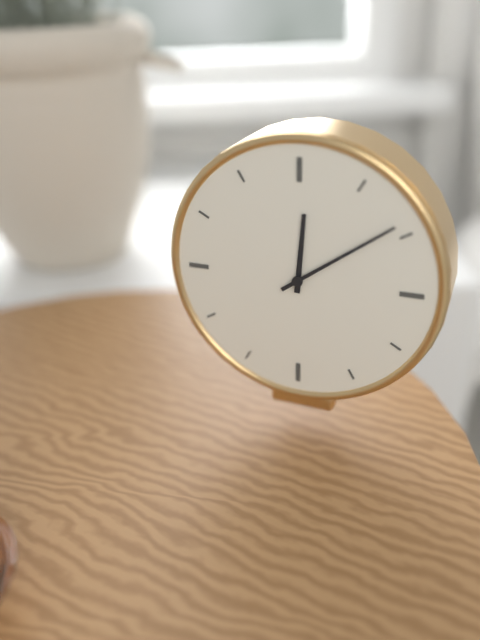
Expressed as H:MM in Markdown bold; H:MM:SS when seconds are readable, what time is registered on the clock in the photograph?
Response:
**12:09**
